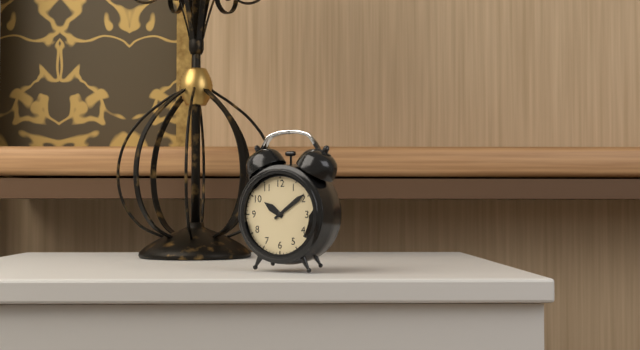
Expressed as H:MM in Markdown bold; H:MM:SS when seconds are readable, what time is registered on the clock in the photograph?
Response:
**10:09**
